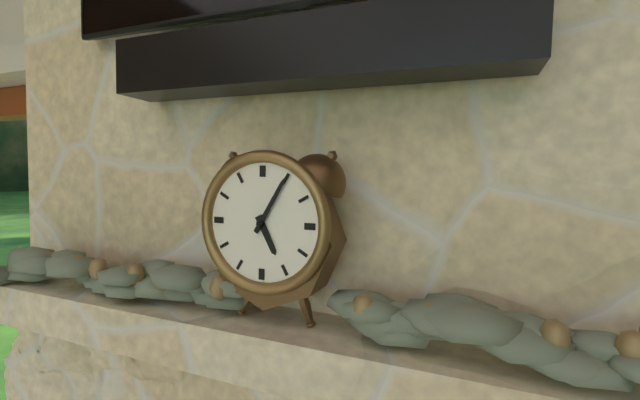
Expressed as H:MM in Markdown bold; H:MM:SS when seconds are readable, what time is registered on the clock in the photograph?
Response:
**5:05**
